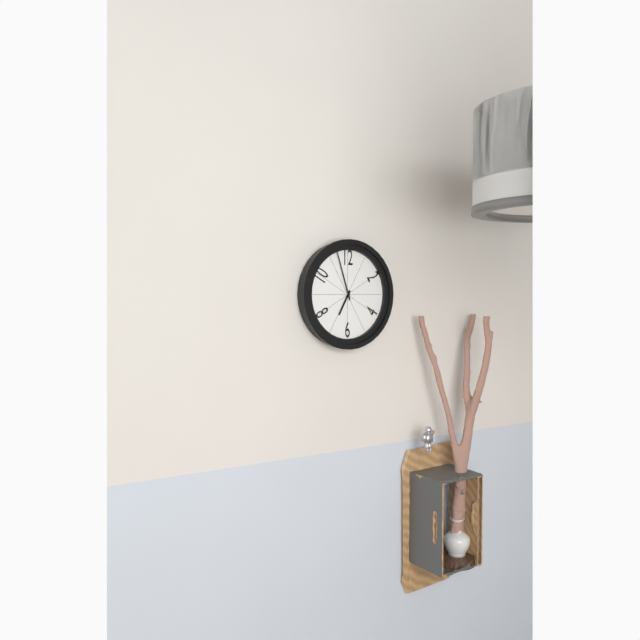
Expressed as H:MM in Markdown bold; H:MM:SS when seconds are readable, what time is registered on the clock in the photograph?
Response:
**6:57**
